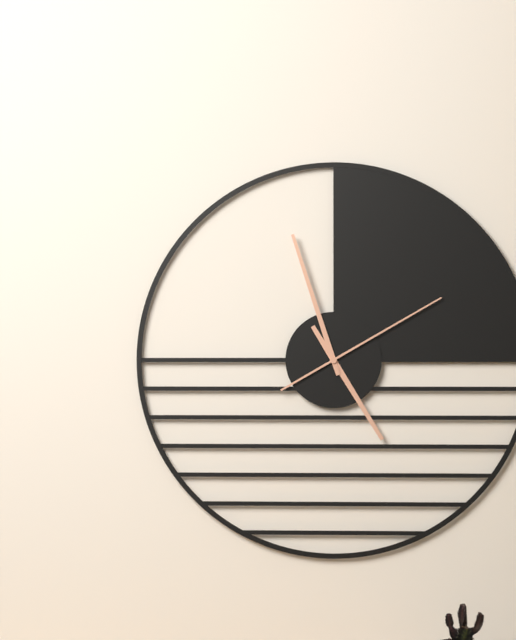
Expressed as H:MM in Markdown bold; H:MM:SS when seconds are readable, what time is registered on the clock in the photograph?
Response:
**4:57:10**
